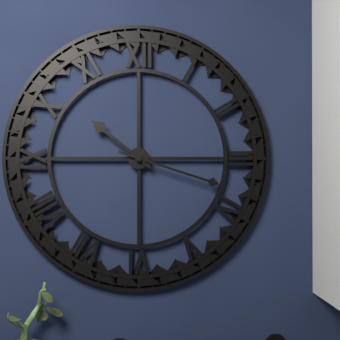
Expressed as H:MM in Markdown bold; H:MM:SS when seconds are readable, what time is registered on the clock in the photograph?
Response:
**10:18**
